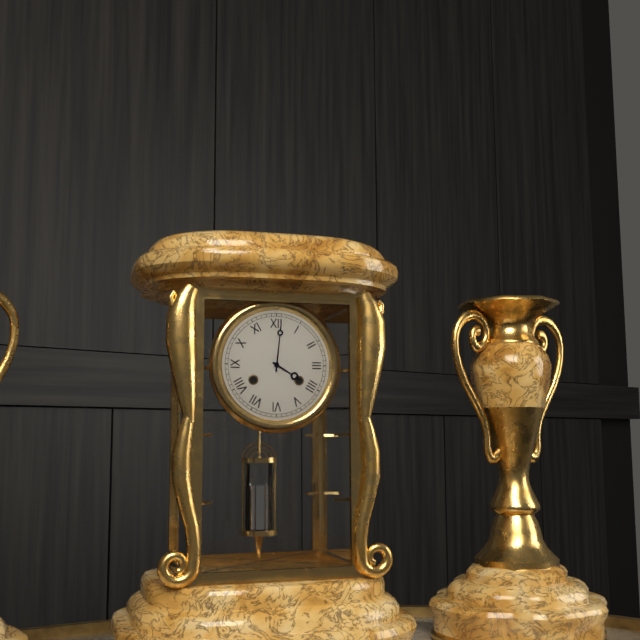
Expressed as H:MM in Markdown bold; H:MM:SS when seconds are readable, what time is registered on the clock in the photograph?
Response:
**4:01**
